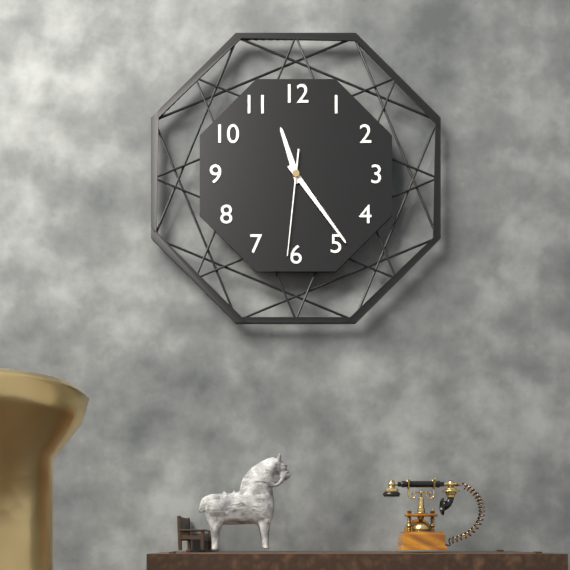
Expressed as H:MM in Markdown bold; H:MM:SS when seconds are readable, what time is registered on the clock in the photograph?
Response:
**11:24:31**
